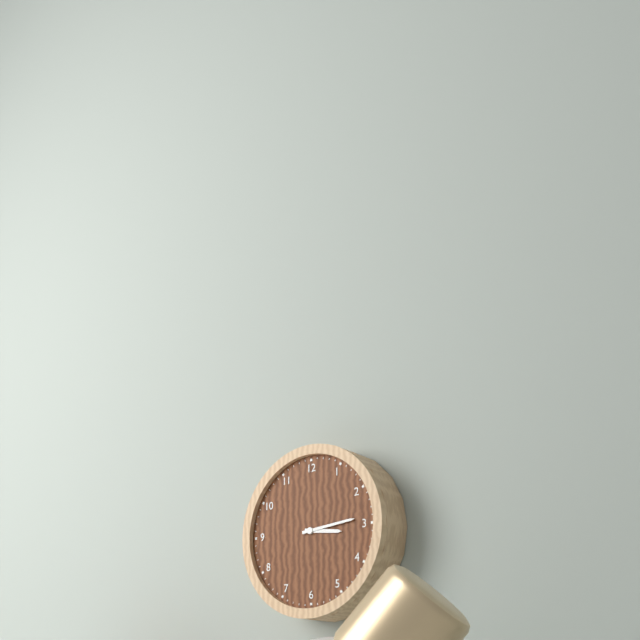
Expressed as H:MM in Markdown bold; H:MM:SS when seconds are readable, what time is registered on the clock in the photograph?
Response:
**3:14**
